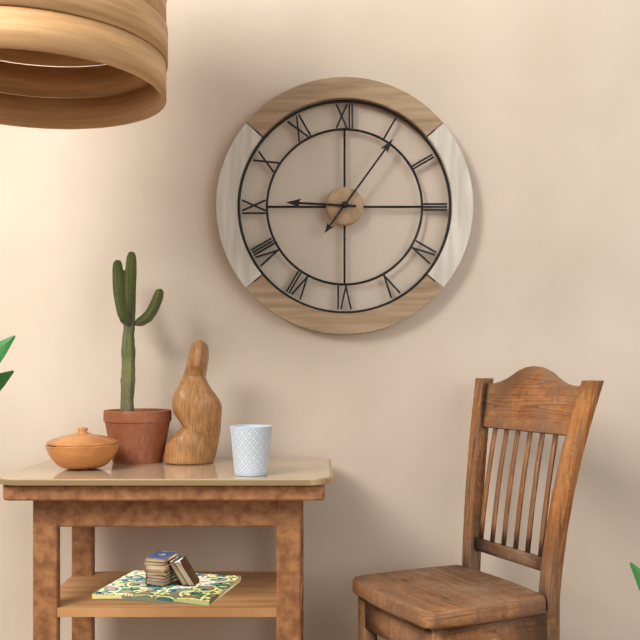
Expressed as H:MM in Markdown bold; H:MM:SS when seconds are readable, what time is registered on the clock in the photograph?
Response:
**9:06**
